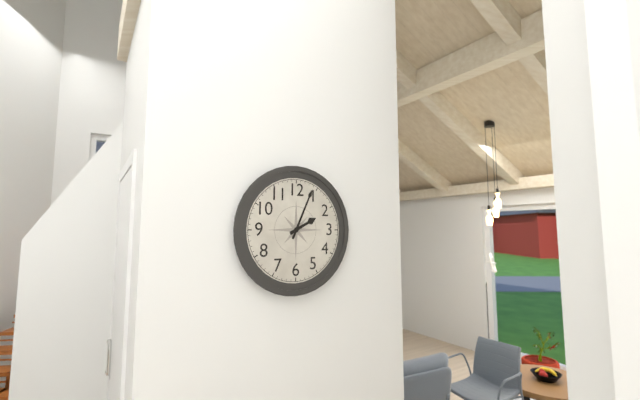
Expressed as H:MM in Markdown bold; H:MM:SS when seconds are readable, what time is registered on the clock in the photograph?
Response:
**2:04**
